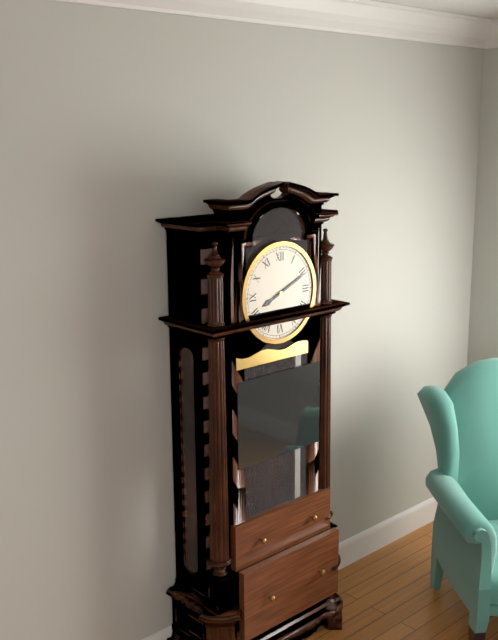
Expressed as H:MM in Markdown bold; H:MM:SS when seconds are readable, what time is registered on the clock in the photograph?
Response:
**8:11**
